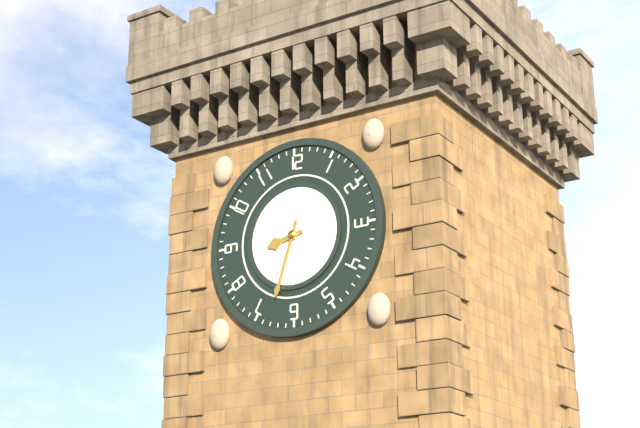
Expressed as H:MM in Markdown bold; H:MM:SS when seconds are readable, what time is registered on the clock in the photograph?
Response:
**8:33**
